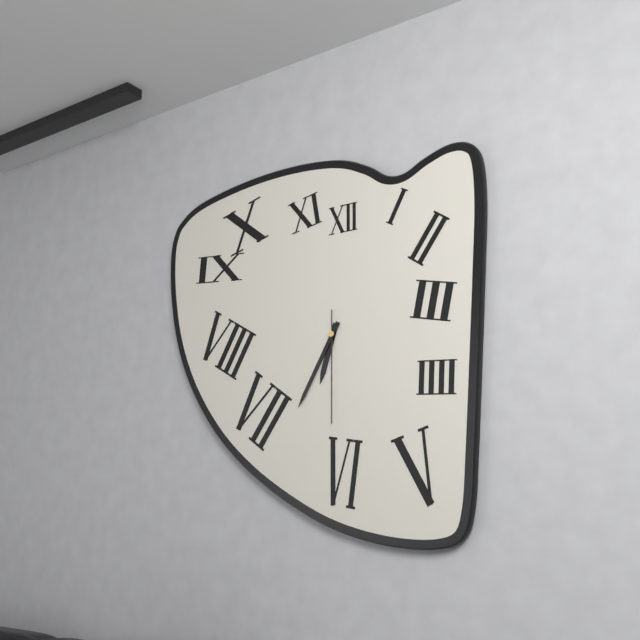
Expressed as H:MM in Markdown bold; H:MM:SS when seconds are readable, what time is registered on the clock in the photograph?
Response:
**6:35:30**
